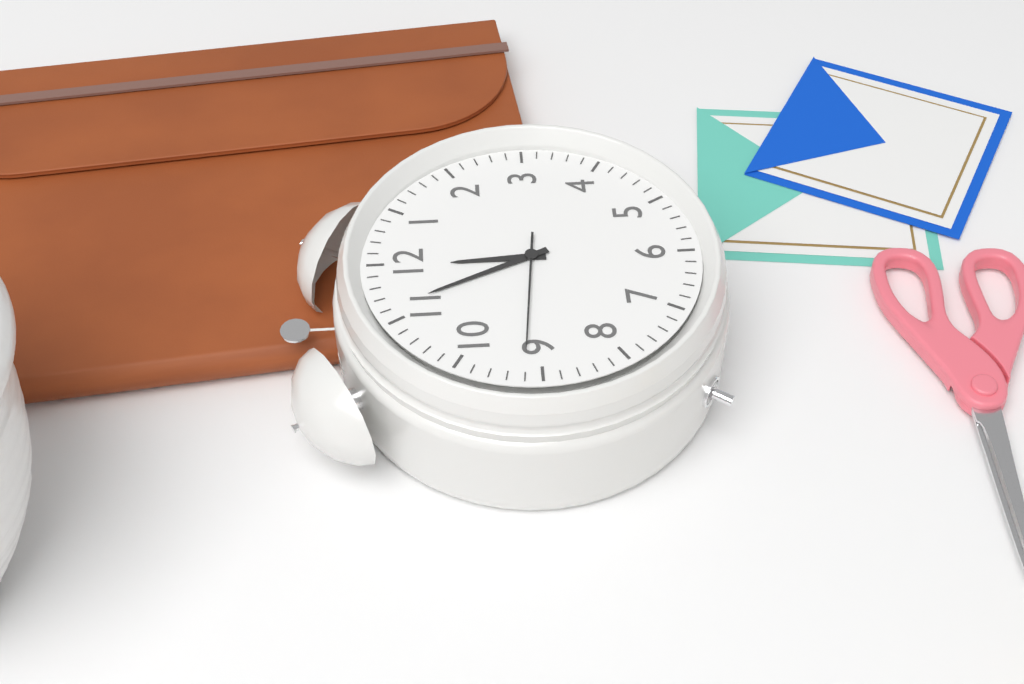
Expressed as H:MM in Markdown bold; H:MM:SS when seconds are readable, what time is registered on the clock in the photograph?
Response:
**11:56:46**
